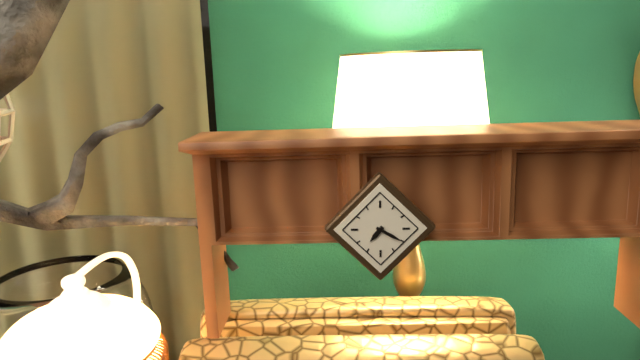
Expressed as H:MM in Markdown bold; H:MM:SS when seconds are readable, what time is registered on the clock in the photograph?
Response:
**7:20**
